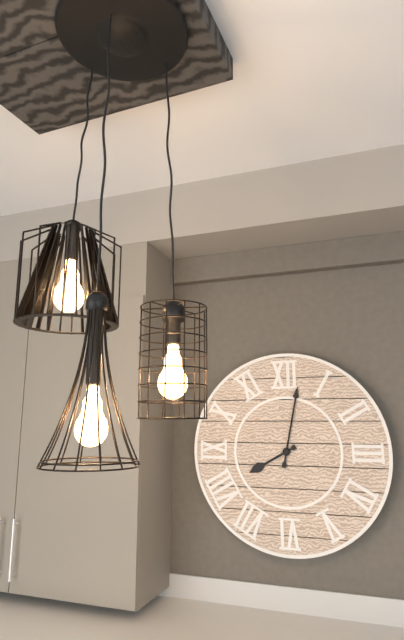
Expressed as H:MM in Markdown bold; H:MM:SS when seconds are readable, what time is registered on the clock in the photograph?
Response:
**8:02**
